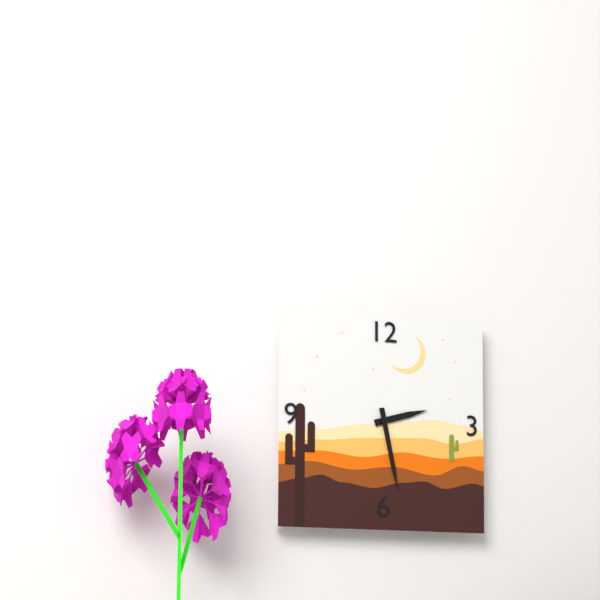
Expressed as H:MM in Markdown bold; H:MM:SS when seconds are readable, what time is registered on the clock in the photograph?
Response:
**2:28**
